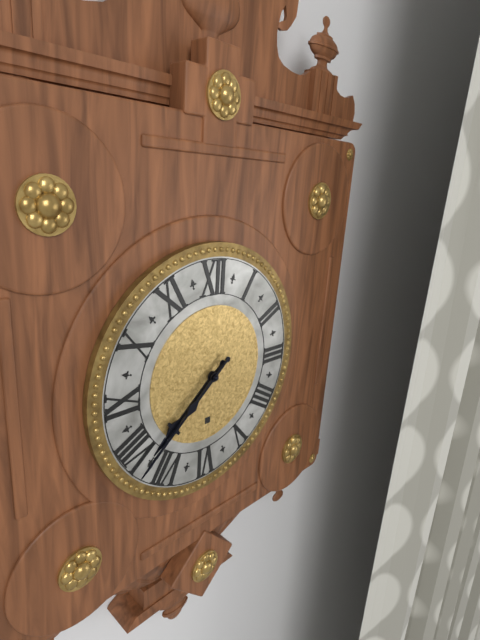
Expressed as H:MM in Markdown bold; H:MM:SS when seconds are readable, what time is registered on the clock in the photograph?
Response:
**7:38**
